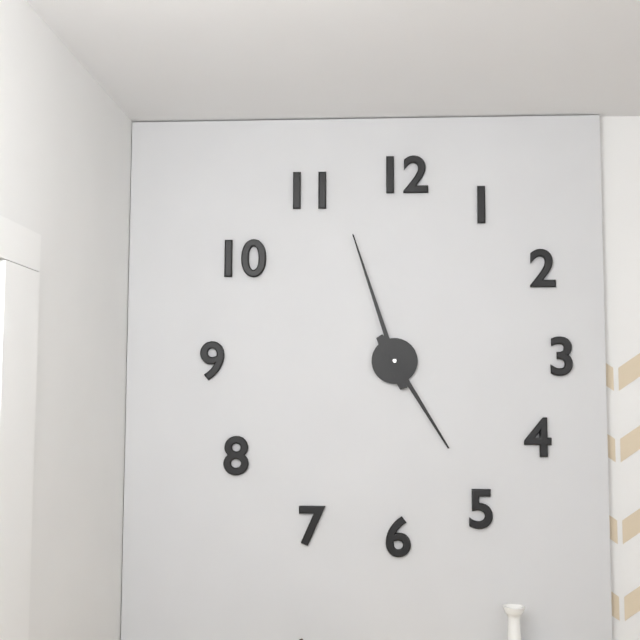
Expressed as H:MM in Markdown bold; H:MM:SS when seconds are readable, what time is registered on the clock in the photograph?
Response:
**4:57**
